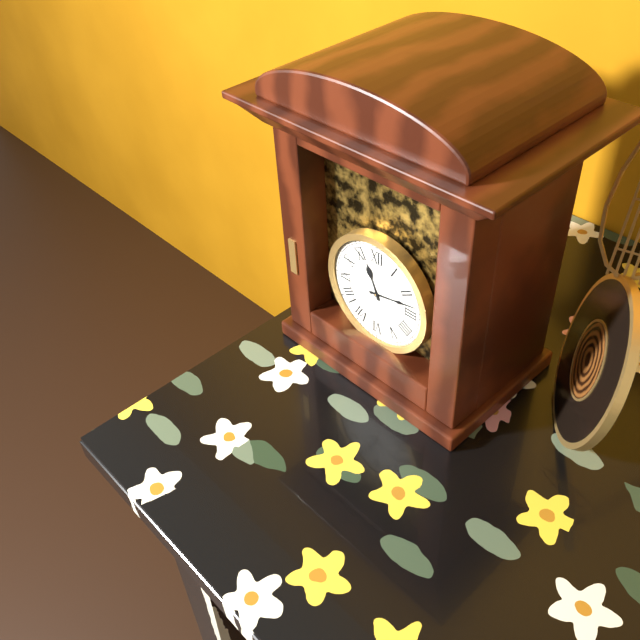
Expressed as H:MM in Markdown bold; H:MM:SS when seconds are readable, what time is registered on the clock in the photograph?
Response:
**11:13**
